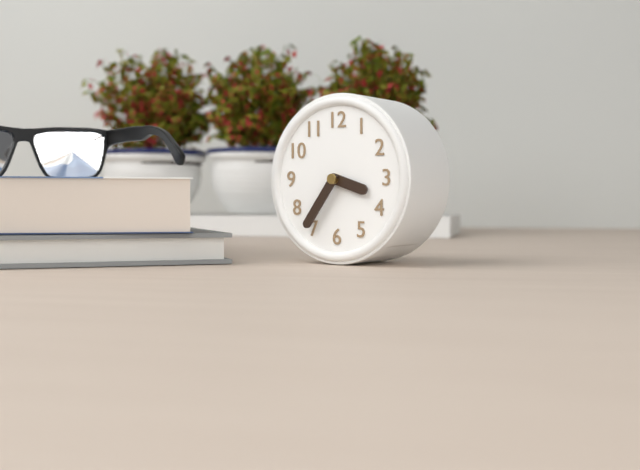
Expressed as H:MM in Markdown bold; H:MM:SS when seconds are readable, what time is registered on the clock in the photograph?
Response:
**3:36**
